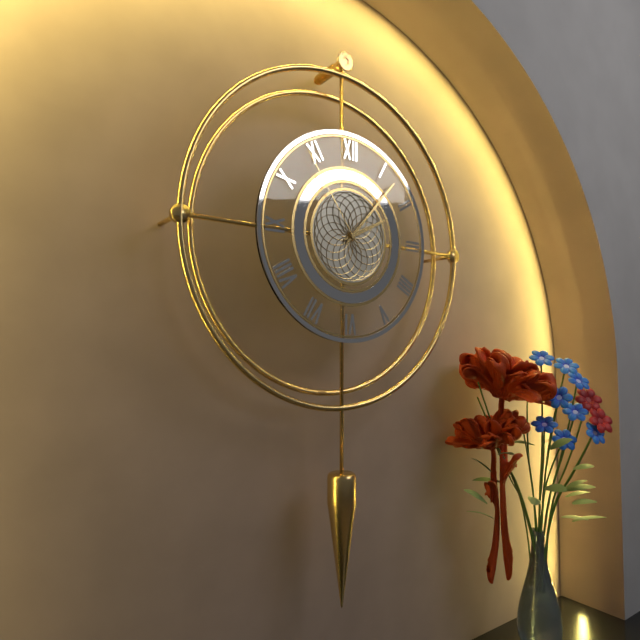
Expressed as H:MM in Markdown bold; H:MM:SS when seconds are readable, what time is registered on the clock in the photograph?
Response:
**2:07:54**
